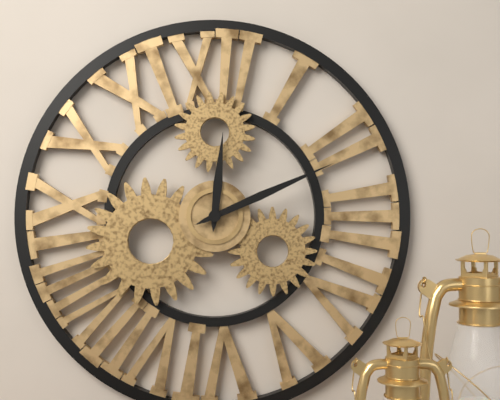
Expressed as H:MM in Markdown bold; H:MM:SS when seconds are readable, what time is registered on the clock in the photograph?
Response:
**12:11**
